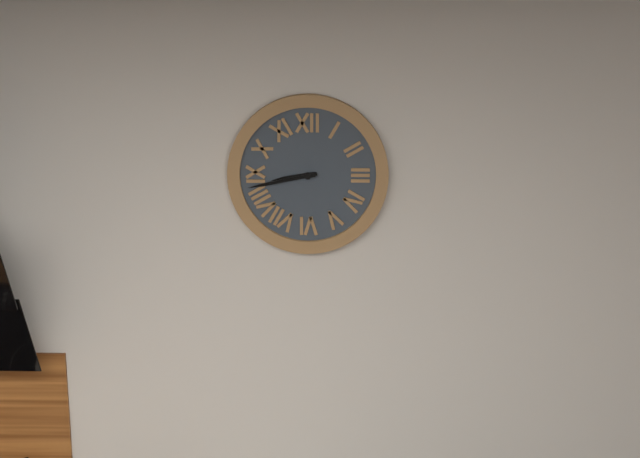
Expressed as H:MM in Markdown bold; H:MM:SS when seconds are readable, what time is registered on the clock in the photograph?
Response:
**8:43**
